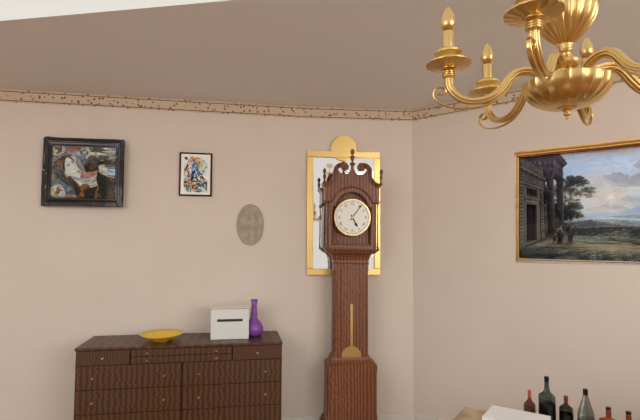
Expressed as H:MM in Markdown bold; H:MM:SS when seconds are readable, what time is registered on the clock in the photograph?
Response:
**5:06**
